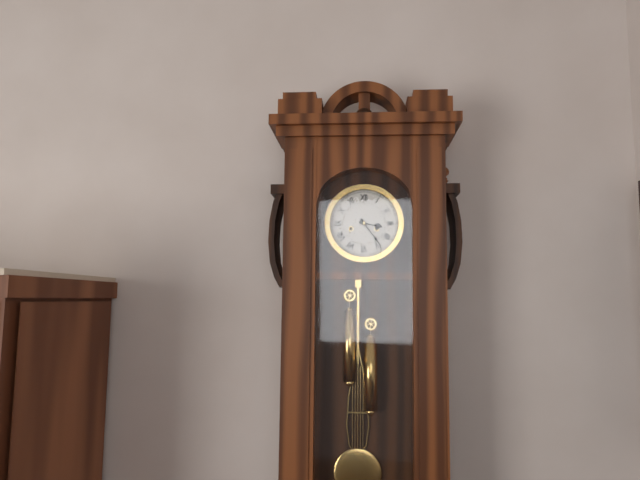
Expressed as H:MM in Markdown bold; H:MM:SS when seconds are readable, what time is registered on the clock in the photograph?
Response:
**3:24**
